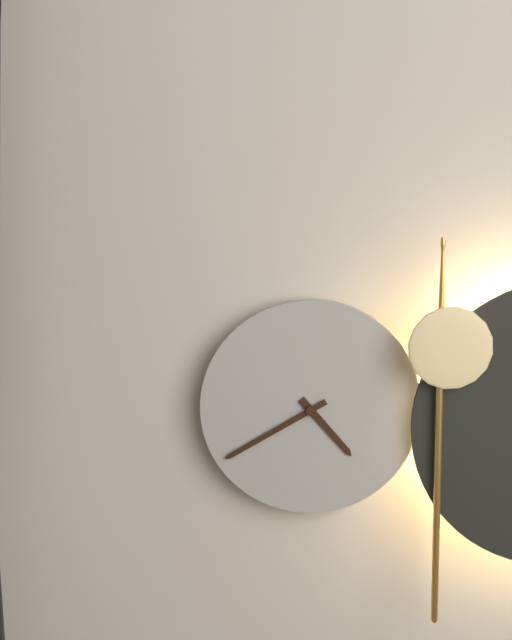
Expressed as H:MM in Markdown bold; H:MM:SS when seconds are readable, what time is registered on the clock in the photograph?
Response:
**4:40**
